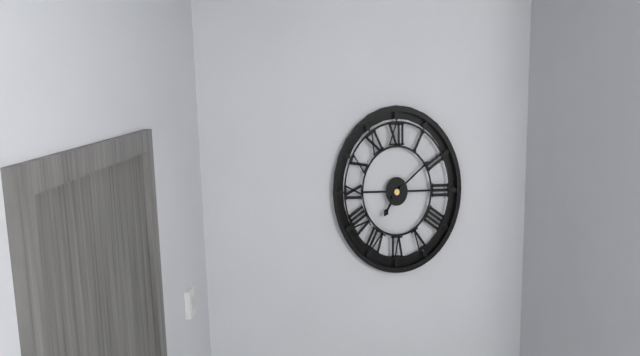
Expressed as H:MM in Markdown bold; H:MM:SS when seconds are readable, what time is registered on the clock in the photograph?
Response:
**7:09**
